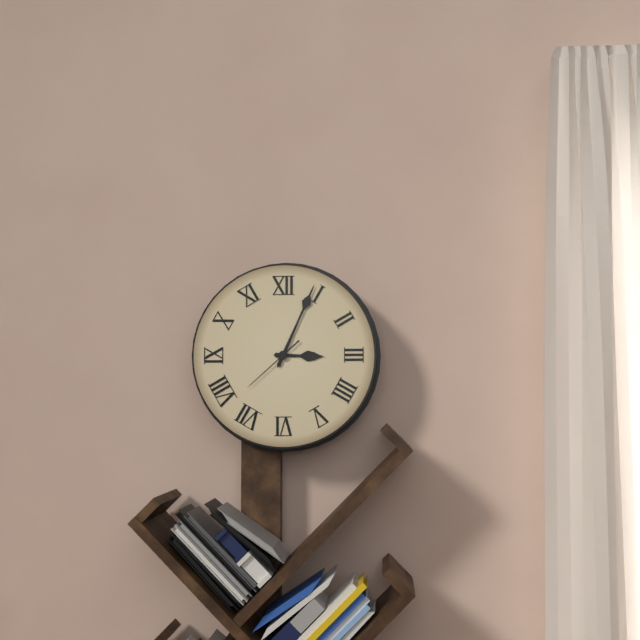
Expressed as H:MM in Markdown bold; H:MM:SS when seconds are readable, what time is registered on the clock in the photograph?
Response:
**3:04:38**
